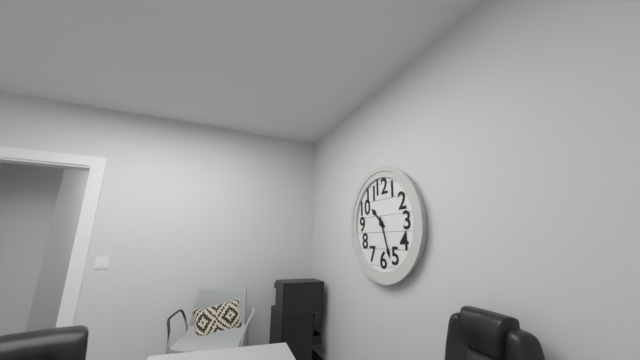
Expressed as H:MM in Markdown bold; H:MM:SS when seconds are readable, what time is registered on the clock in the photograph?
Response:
**10:27**
